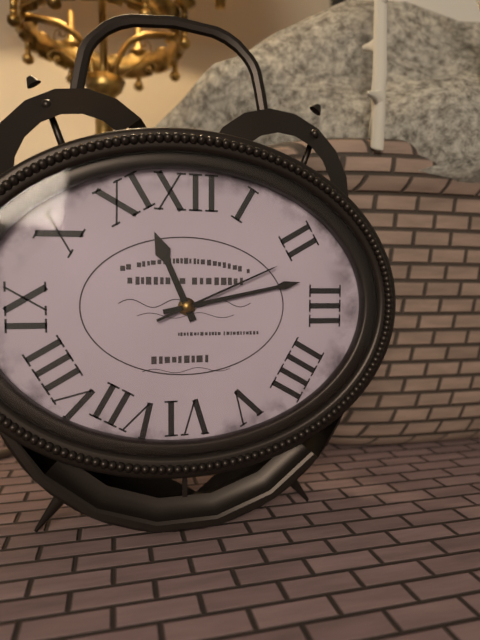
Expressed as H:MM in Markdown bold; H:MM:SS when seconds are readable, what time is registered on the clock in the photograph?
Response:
**11:13:11**
